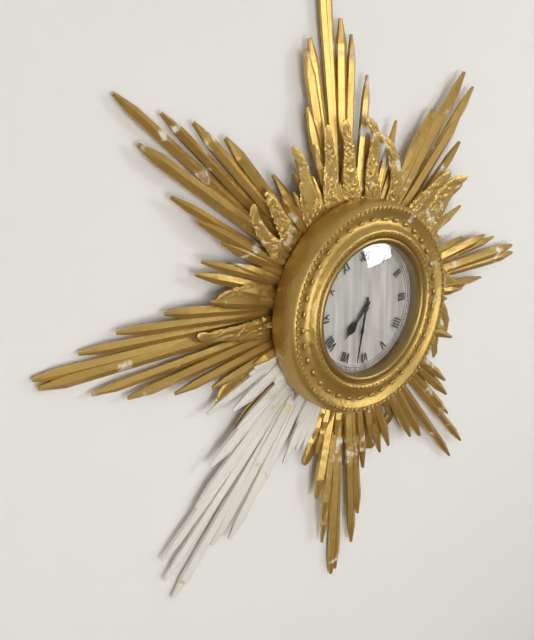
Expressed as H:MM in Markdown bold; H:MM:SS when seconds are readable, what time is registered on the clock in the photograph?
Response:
**7:32**
